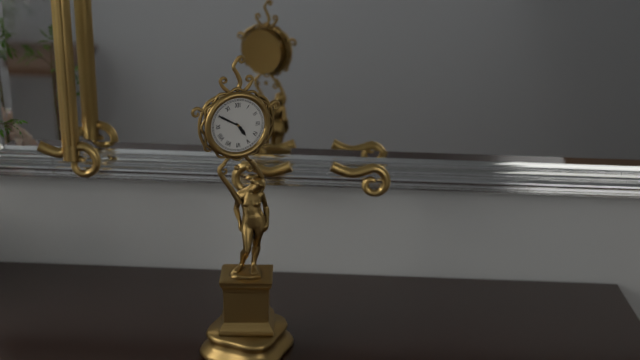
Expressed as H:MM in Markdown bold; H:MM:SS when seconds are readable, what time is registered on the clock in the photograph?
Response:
**4:50**
